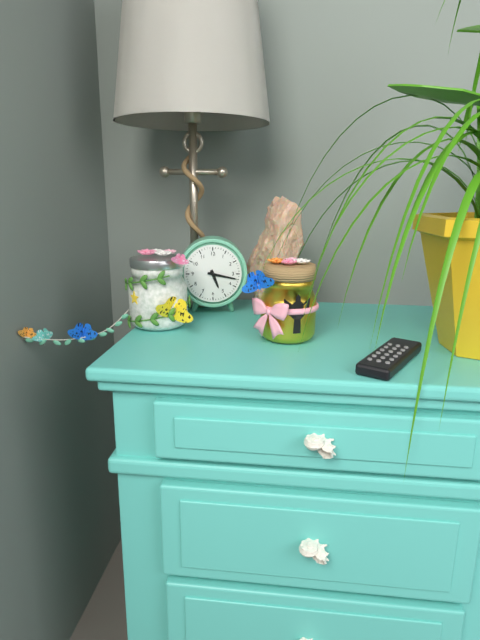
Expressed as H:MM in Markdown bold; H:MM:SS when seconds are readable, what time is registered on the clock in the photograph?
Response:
**5:17**
